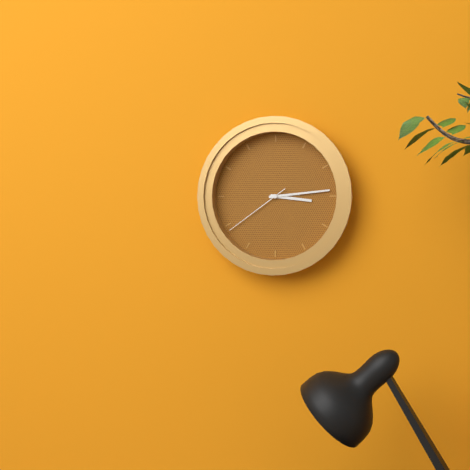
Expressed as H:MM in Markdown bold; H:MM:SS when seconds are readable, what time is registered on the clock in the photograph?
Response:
**3:14:39**
